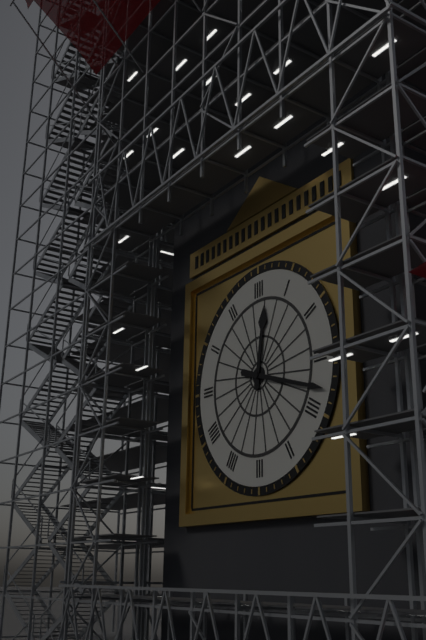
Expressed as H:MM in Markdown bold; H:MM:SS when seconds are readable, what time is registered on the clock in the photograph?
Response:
**12:18**
